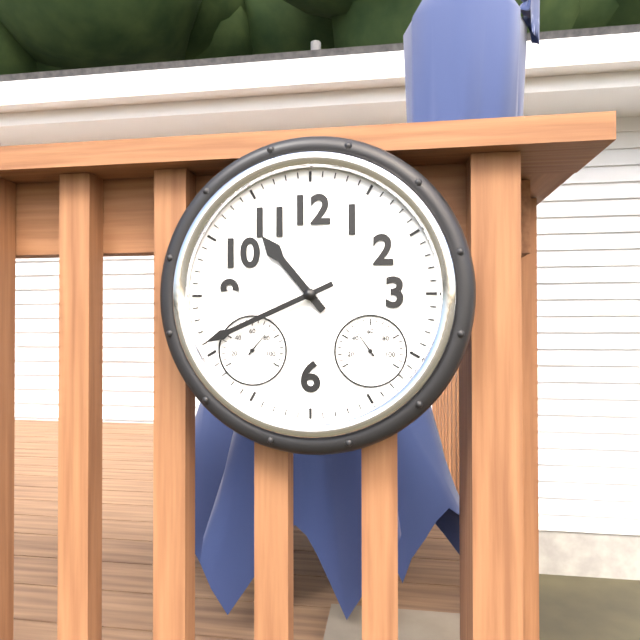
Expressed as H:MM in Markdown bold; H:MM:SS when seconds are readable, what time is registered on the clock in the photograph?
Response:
**10:41**
